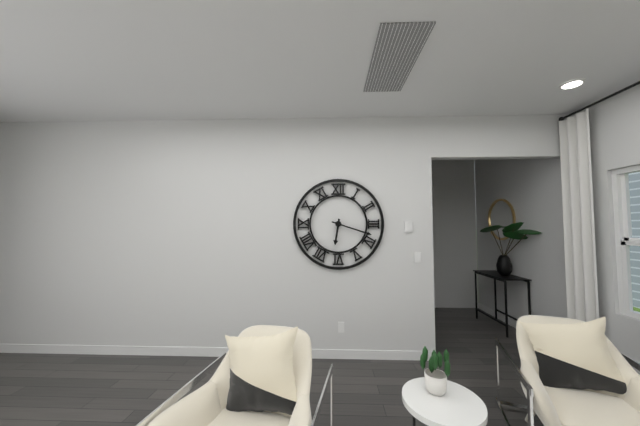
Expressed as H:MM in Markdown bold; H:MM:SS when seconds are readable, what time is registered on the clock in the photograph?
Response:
**6:18**
